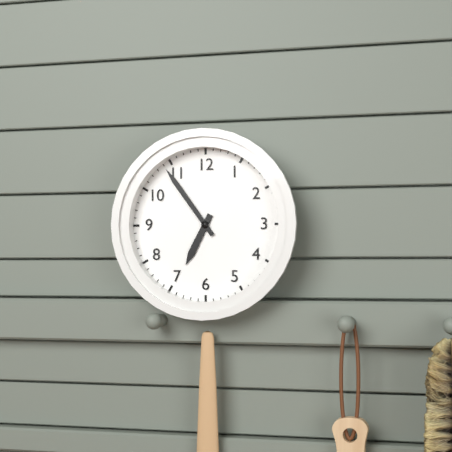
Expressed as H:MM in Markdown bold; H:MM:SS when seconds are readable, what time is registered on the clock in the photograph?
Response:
**6:54**
